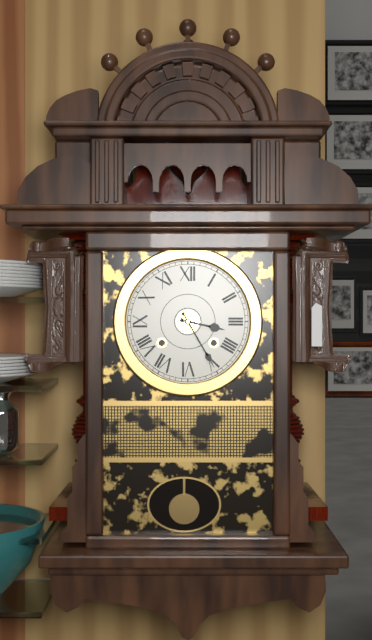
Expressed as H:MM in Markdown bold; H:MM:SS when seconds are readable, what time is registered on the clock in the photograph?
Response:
**3:25**
